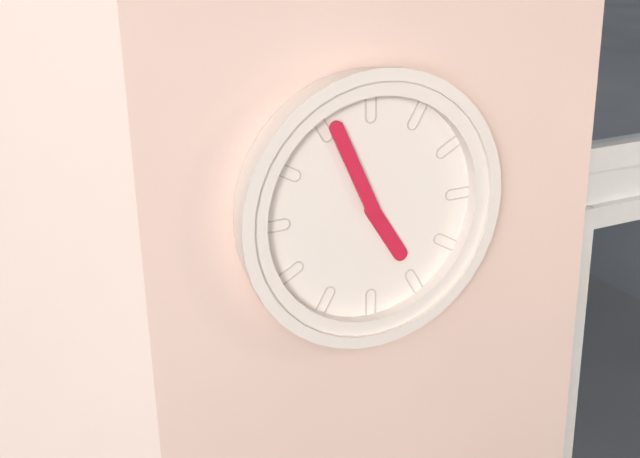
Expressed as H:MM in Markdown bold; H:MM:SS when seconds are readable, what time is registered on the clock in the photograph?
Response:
**4:56**
